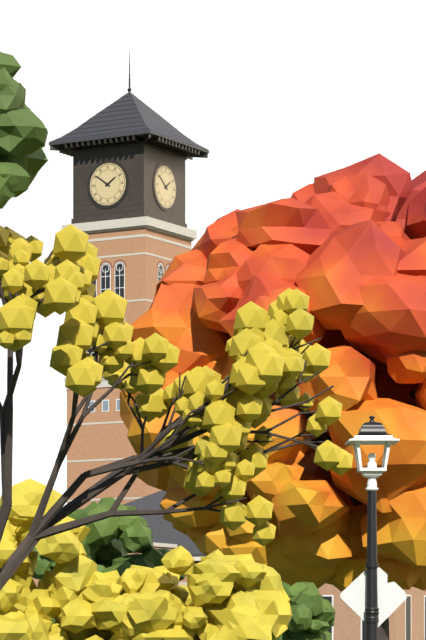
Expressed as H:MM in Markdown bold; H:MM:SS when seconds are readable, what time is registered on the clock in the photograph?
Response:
**1:51**
